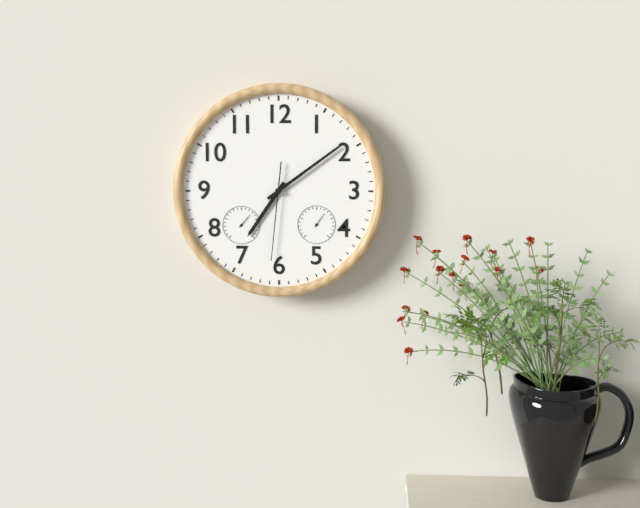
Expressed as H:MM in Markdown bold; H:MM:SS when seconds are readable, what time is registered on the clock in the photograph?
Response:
**7:09:31**
